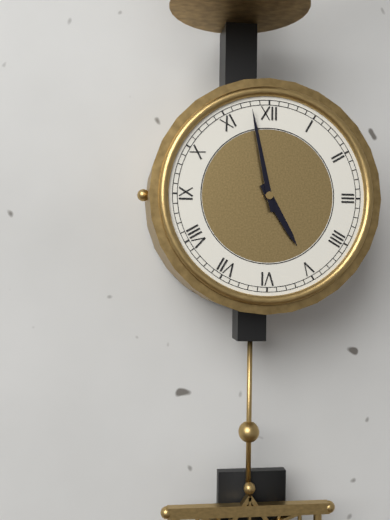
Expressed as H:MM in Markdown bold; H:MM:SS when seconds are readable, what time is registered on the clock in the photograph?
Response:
**4:58**
